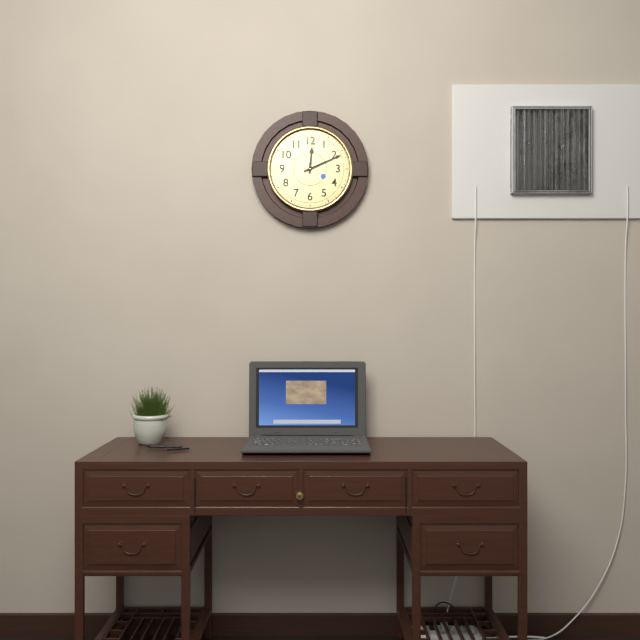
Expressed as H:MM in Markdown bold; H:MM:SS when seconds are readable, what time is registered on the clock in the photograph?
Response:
**12:11**
